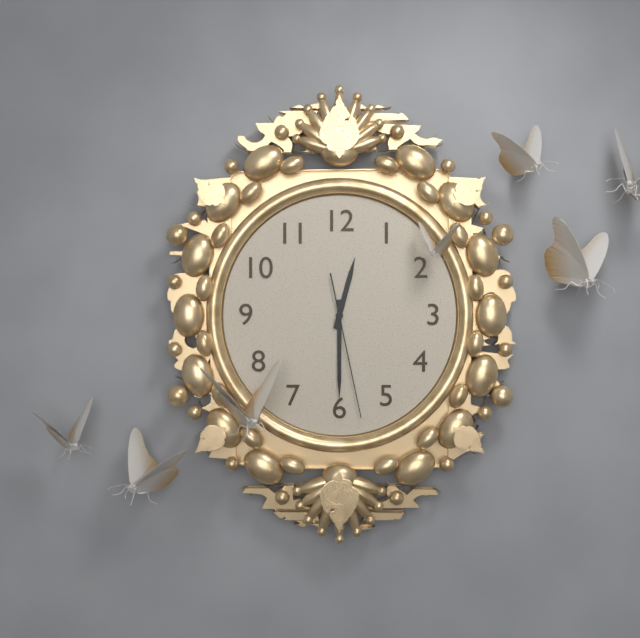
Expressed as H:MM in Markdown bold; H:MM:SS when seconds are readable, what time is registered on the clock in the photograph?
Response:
**12:30:28**
